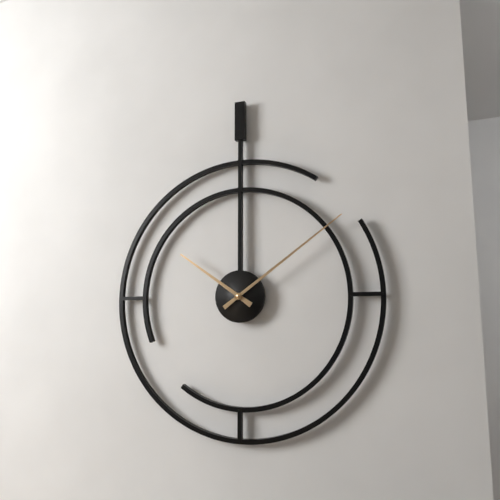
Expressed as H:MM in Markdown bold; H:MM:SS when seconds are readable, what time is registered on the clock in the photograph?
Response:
**10:09**
